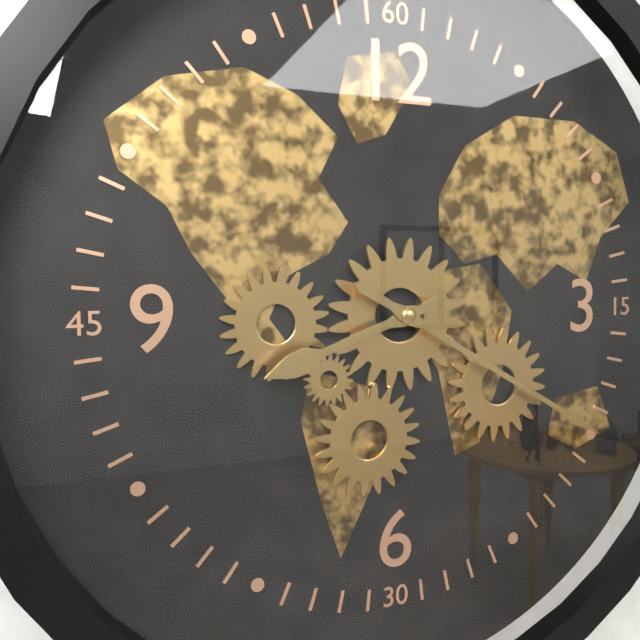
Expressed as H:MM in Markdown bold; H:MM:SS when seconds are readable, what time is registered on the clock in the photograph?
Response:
**8:20**
